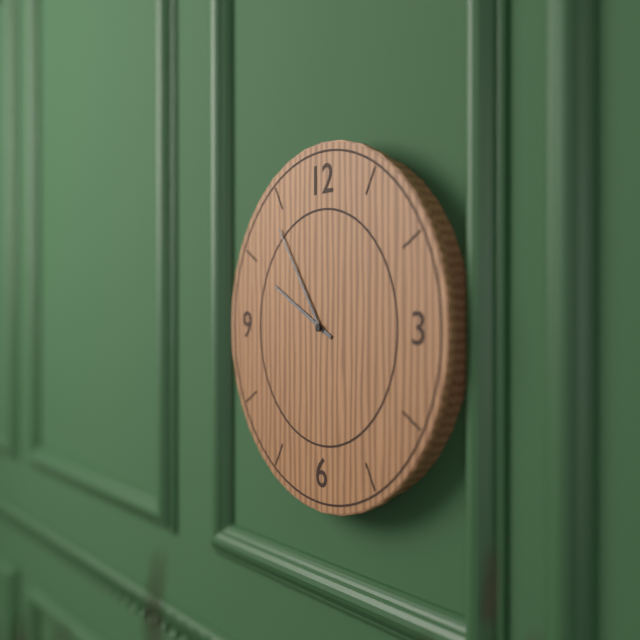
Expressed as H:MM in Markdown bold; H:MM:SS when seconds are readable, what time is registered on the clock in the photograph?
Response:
**9:54**
